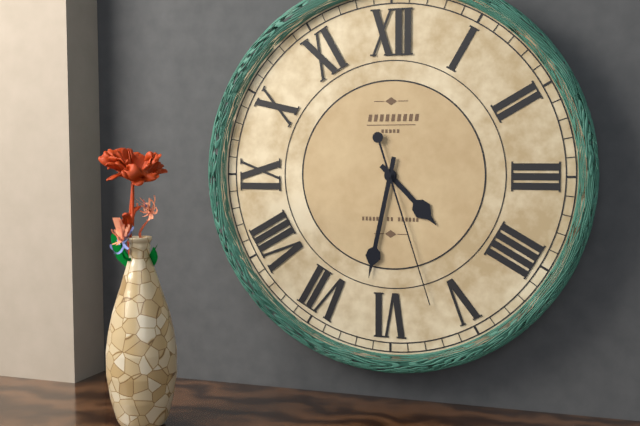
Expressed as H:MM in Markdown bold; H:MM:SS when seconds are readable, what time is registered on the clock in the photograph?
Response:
**4:32:27**
